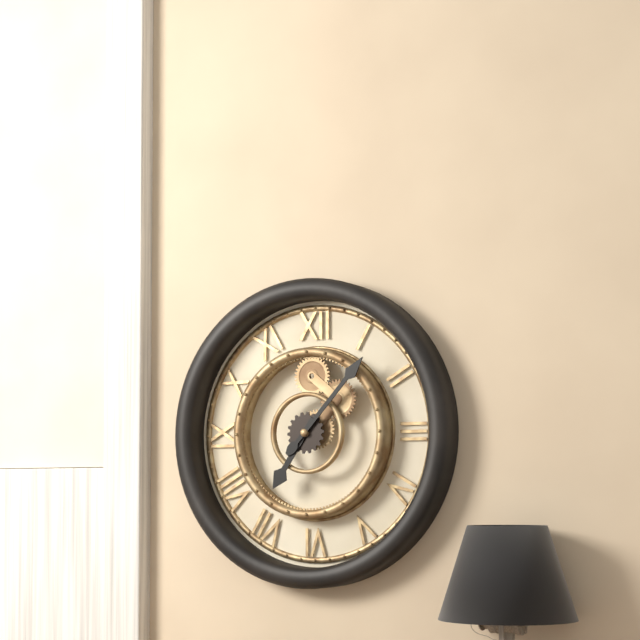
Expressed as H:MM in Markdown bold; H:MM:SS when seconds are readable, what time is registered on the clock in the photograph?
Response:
**7:07**
